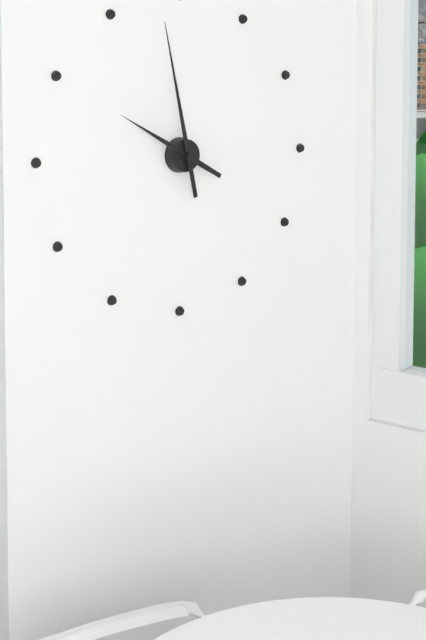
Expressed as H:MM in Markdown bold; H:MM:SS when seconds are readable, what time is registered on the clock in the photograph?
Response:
**9:58**
